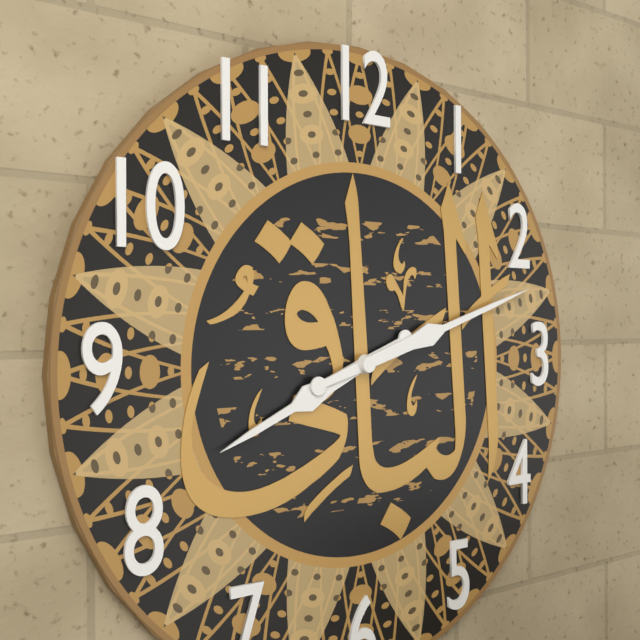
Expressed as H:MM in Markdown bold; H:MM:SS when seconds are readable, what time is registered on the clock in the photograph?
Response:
**8:12**
